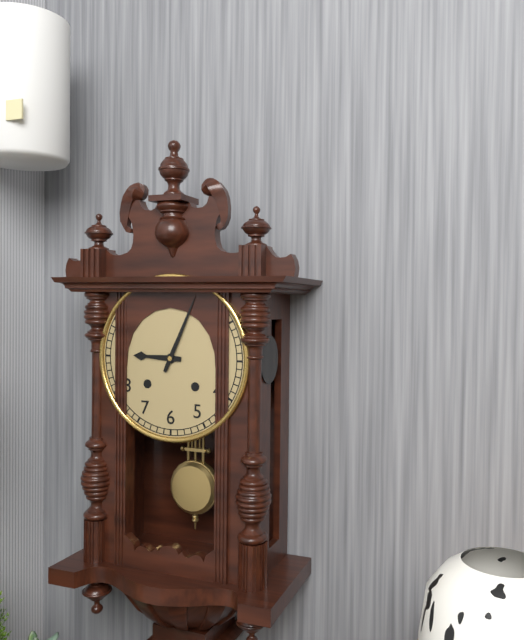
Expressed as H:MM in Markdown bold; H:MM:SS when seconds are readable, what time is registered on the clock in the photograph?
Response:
**9:04**
